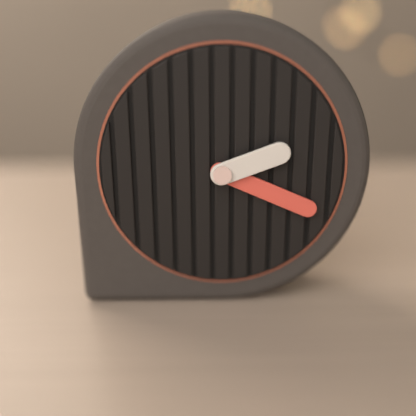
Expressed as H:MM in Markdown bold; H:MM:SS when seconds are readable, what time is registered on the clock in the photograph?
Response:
**2:19**
